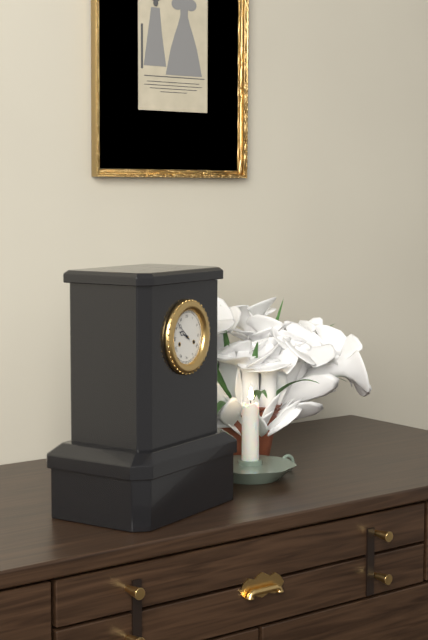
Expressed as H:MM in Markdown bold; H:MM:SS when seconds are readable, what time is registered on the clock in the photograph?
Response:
**9:52**
